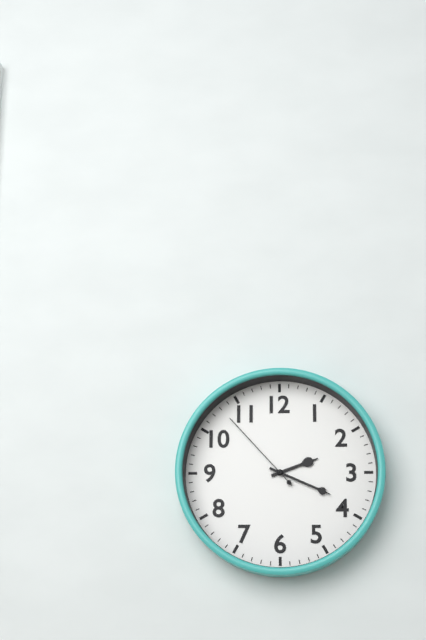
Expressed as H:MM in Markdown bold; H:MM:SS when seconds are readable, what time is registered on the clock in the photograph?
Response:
**2:19:53**
